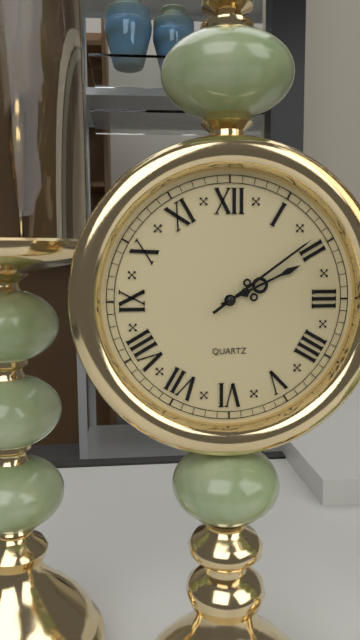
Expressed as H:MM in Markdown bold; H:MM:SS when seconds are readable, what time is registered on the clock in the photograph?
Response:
**2:09**
